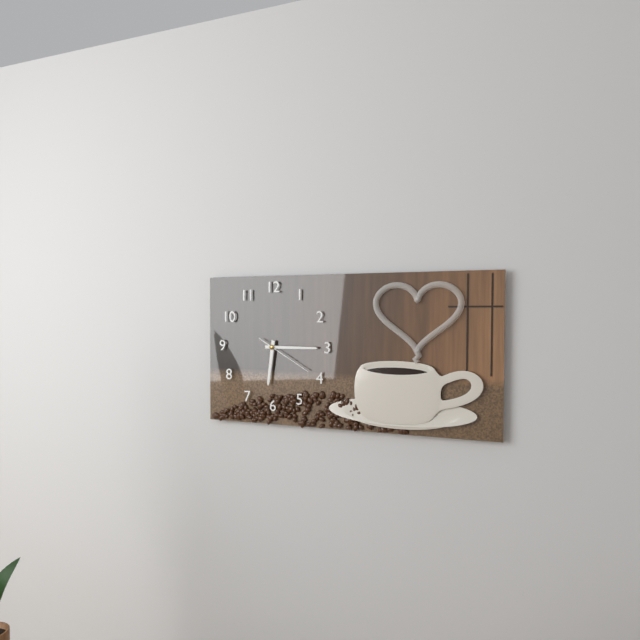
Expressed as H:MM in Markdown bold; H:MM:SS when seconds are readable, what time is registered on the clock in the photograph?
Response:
**6:15:20**
